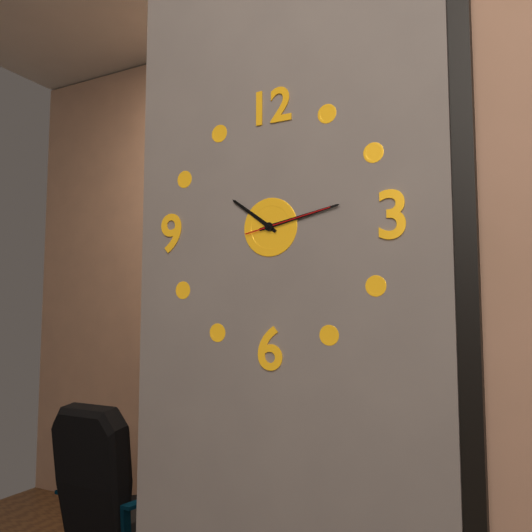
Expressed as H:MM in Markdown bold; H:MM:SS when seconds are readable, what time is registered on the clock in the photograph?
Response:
**10:13:13**
